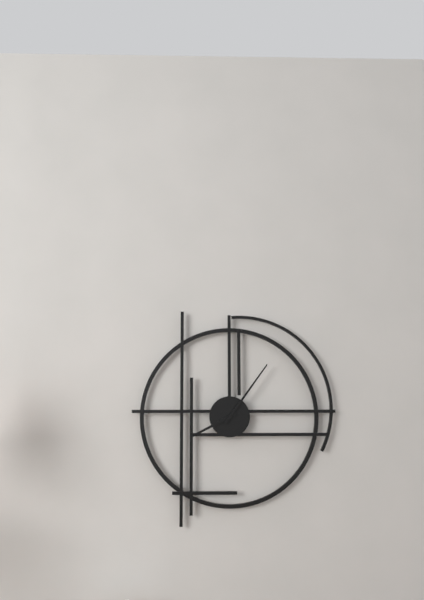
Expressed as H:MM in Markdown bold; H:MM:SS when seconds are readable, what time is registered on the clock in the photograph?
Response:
**8:06**
